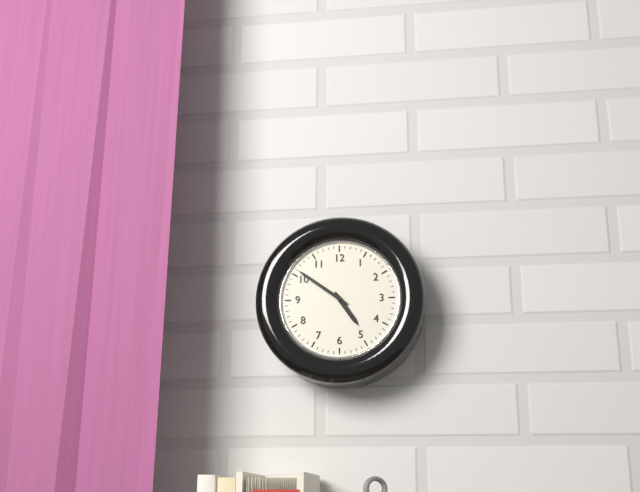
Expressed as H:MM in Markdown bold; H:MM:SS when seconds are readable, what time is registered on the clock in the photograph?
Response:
**4:51**
